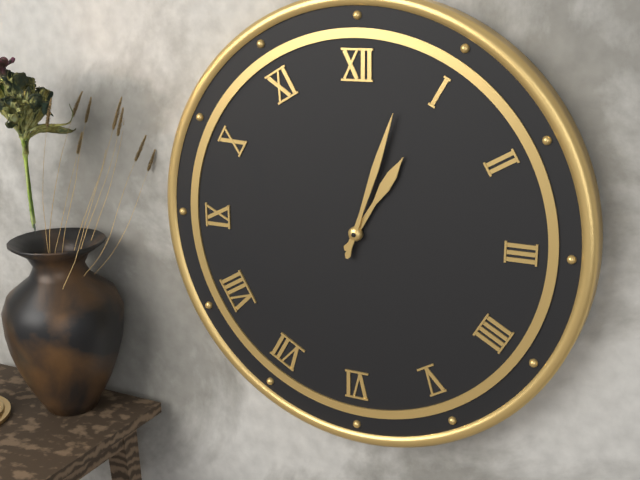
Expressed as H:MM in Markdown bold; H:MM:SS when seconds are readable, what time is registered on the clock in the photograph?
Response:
**1:03**
